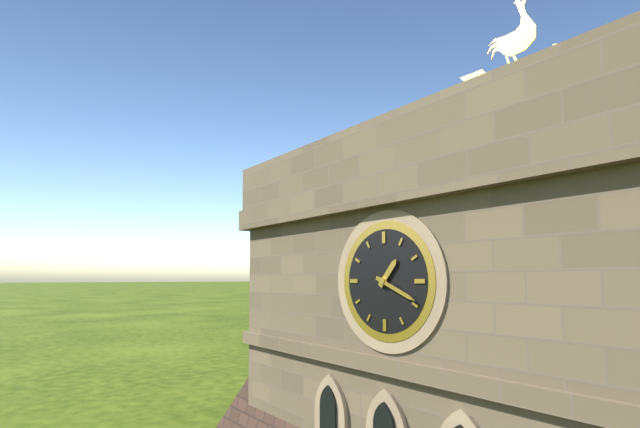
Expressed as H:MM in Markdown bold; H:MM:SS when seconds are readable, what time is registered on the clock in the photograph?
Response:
**1:19**
